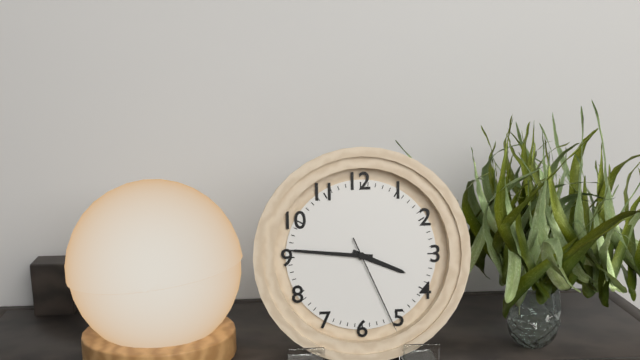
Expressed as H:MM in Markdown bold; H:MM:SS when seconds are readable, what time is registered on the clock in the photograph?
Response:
**3:46:26**
